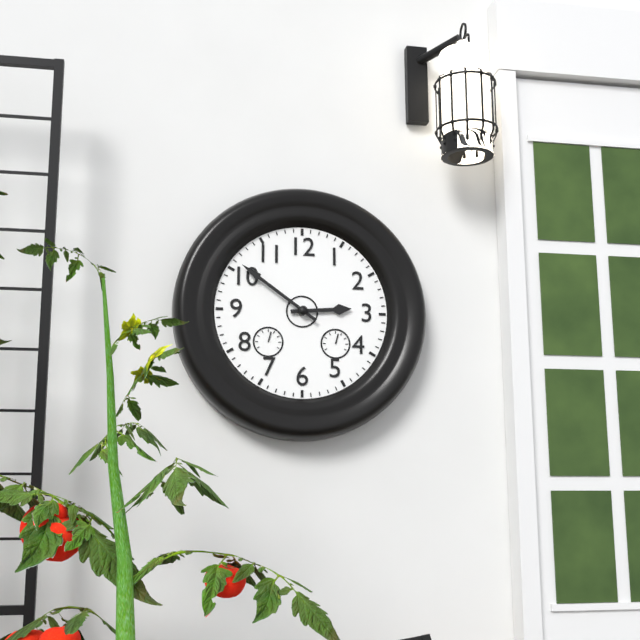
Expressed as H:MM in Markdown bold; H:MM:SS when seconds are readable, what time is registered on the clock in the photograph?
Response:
**2:51**
